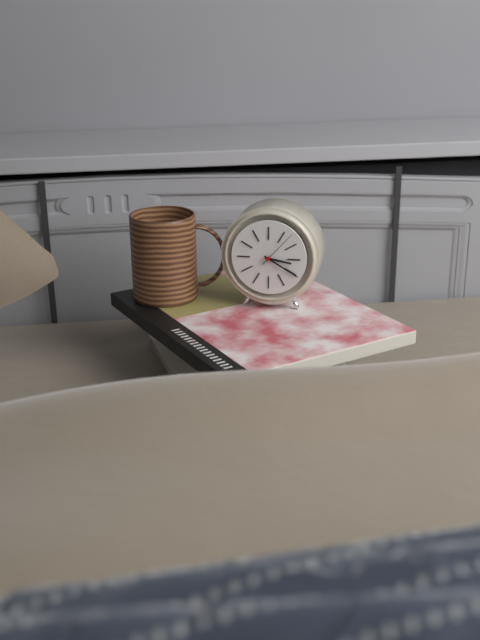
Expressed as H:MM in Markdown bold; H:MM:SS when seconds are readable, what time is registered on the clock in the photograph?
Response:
**3:20**
